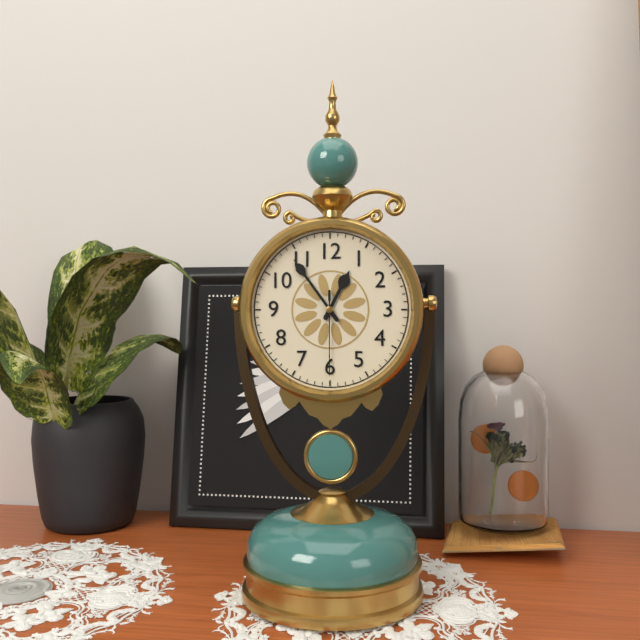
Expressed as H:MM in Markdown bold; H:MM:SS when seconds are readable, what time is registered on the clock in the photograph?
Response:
**12:54:30**
